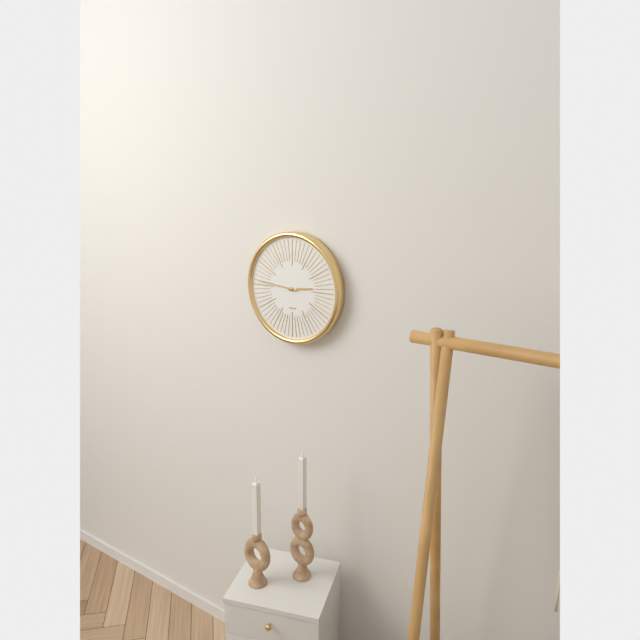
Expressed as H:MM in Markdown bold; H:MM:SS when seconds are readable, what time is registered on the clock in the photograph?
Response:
**2:46**
